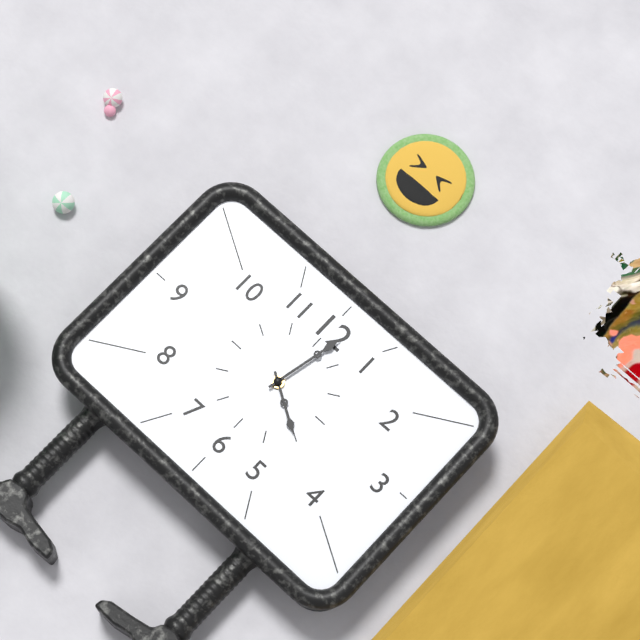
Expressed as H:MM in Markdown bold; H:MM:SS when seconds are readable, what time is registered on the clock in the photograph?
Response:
**4:02**
